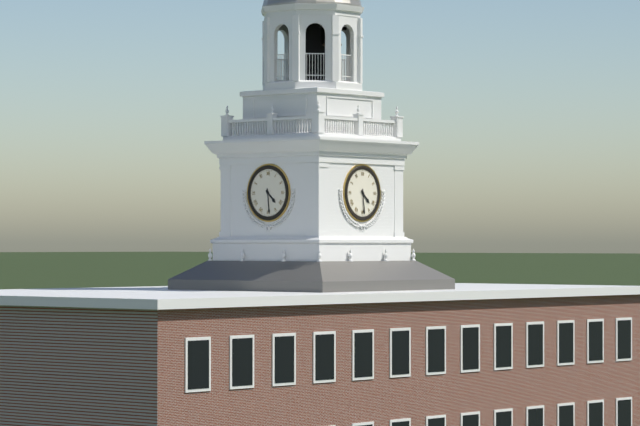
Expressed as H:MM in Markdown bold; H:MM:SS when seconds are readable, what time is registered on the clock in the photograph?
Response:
**4:29**
